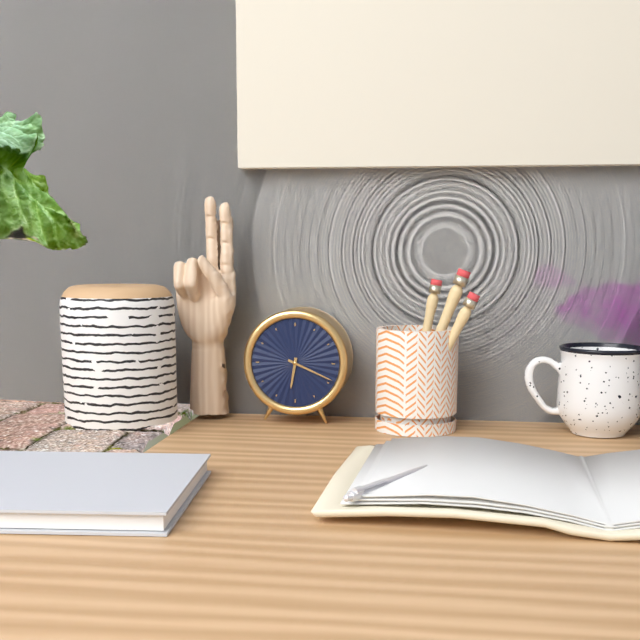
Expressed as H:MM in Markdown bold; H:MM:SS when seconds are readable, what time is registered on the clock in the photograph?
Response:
**6:19**
